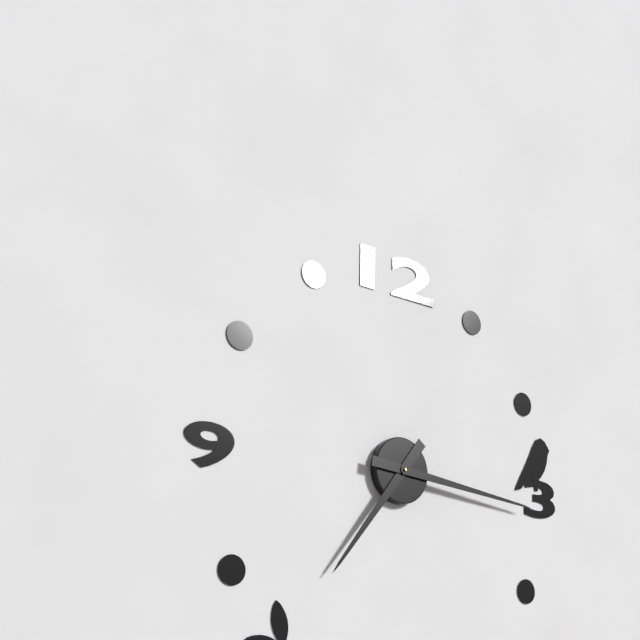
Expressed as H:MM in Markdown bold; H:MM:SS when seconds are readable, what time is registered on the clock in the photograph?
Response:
**7:16**
